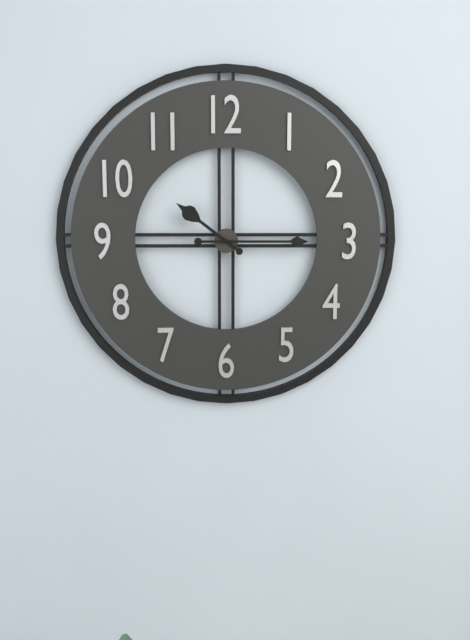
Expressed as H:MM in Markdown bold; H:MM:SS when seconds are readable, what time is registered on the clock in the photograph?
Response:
**10:15**
